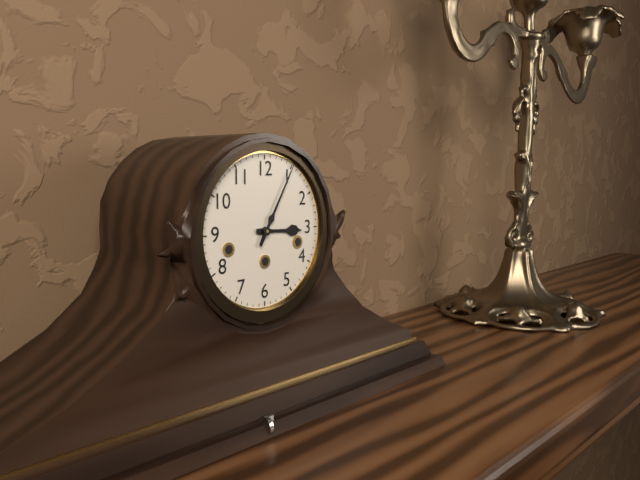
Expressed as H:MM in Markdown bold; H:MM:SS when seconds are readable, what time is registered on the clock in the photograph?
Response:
**3:05**
